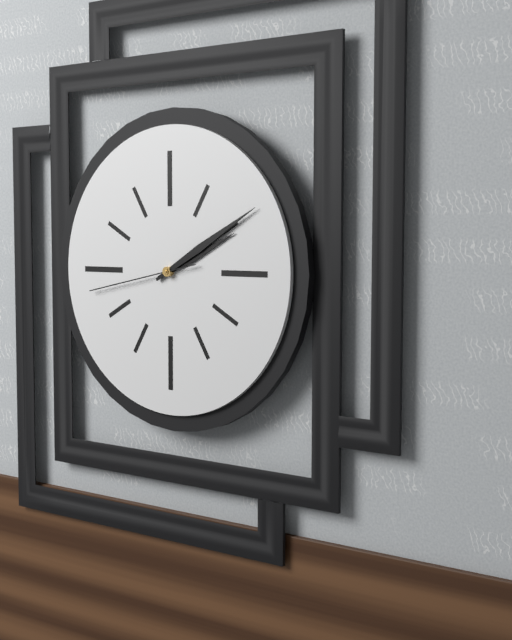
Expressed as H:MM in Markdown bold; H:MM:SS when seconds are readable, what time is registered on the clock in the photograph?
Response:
**2:10:43**
